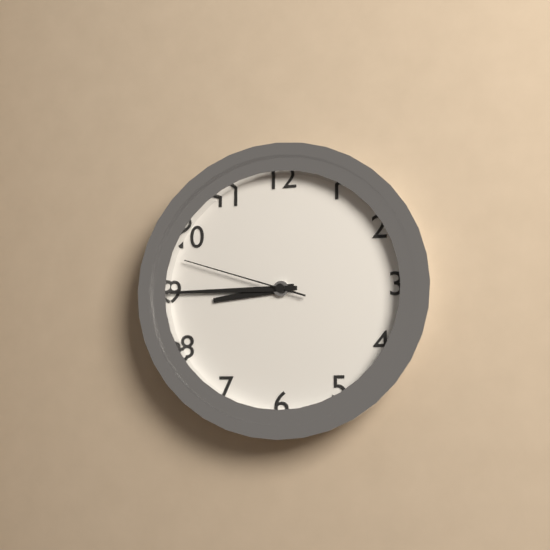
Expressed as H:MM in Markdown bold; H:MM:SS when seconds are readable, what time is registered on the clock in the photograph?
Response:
**8:45:48**
